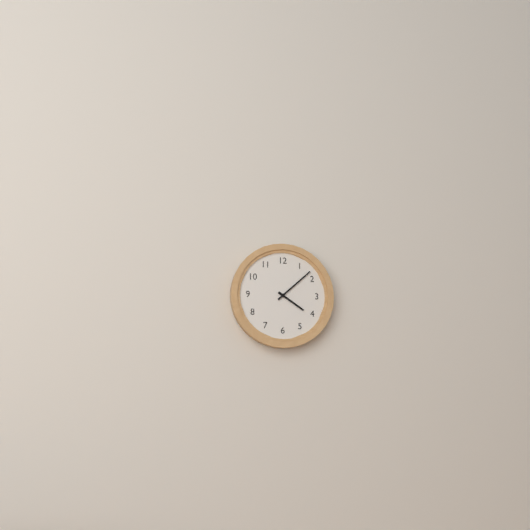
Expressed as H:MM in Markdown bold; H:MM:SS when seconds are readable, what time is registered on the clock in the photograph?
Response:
**4:08**
